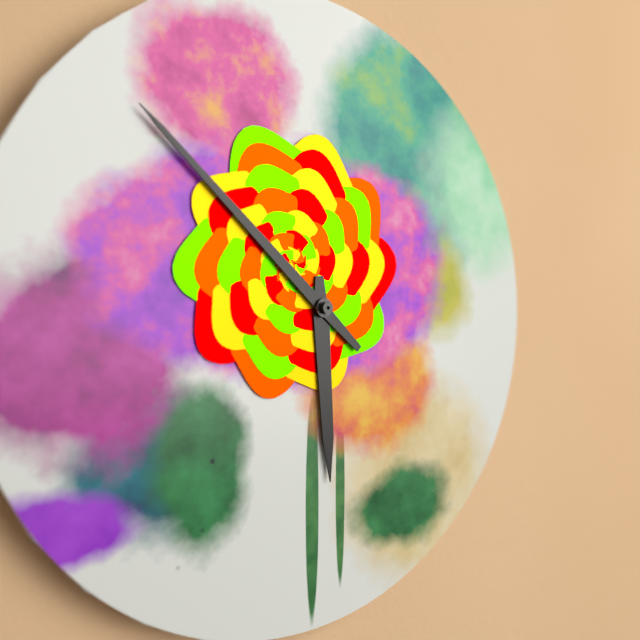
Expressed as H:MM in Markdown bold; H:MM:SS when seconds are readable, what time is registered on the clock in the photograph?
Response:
**5:52**
